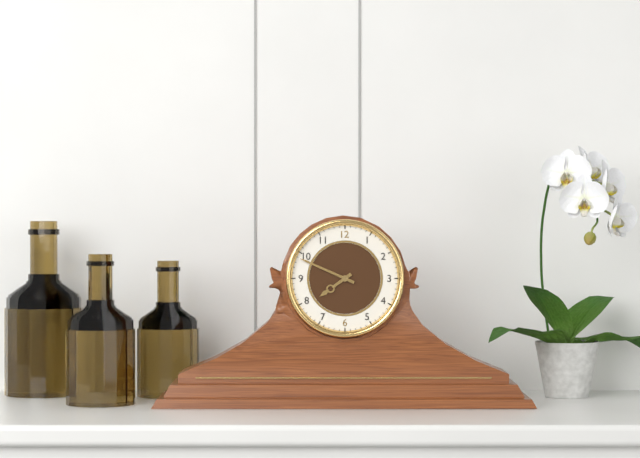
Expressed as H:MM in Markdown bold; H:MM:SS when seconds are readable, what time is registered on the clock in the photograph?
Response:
**7:49**
